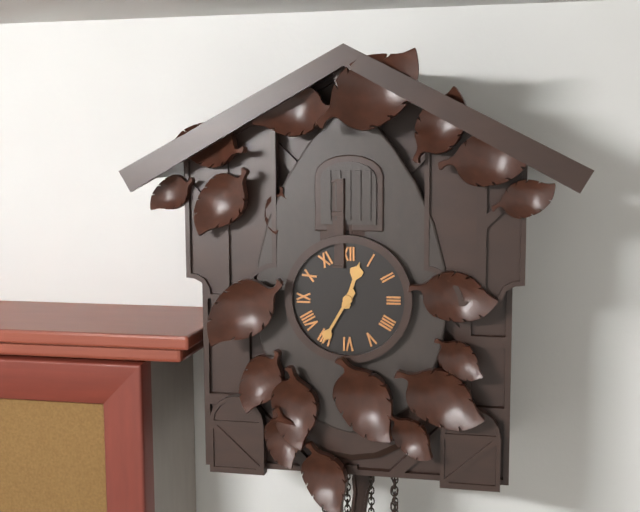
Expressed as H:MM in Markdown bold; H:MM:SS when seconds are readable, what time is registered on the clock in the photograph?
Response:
**12:35**
